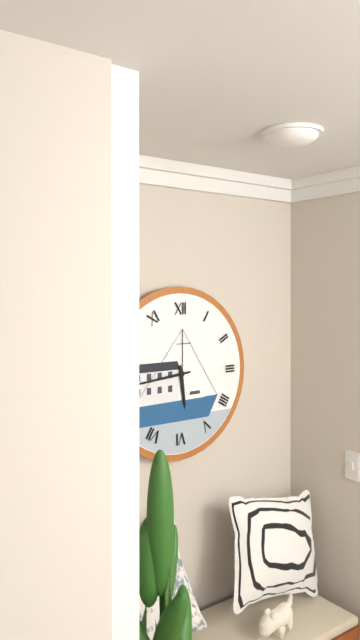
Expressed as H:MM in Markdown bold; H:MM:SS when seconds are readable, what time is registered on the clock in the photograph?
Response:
**5:44**
